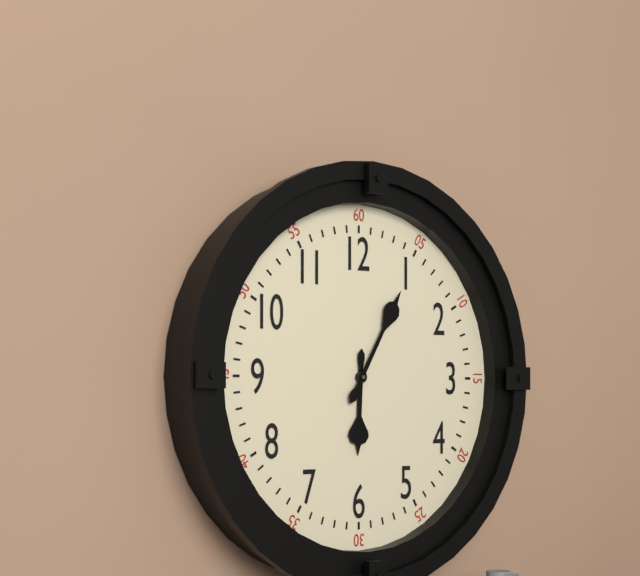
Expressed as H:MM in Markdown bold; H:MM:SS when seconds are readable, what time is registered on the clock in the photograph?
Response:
**6:05**
